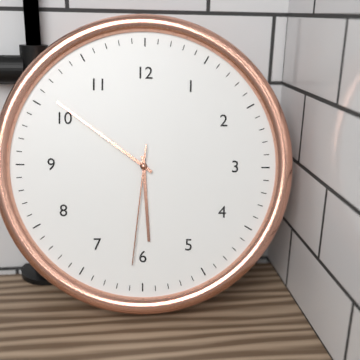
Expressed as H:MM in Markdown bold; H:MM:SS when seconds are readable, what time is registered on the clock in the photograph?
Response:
**5:51:31**
